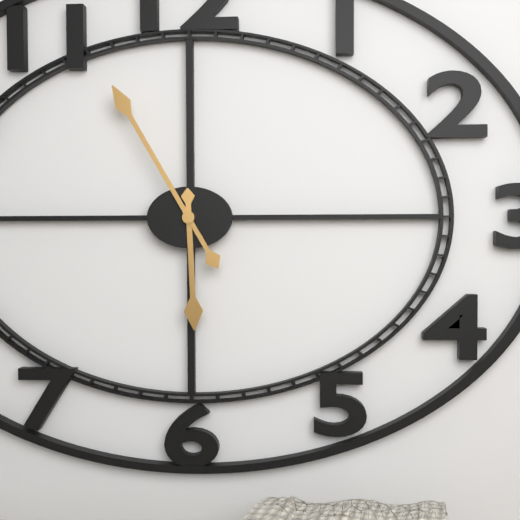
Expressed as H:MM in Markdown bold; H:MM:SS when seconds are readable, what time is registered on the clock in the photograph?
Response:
**5:55**
